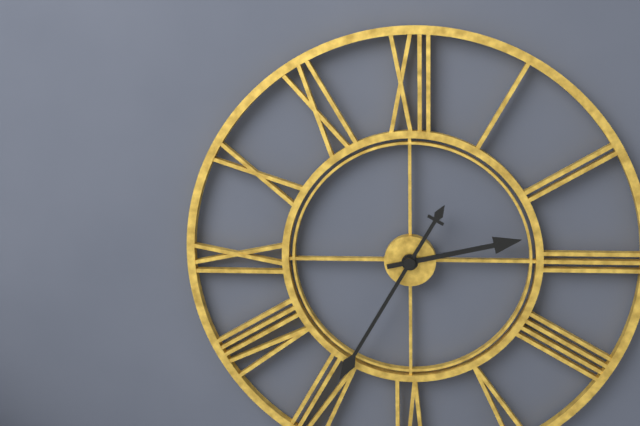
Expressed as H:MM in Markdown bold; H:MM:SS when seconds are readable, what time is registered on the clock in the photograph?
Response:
**2:35**
